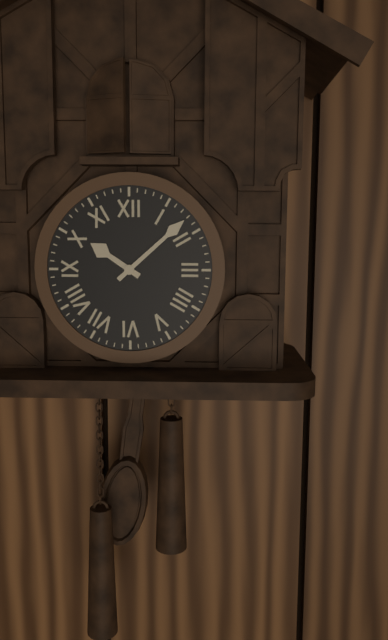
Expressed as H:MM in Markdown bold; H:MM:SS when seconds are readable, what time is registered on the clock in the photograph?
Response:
**10:08**
